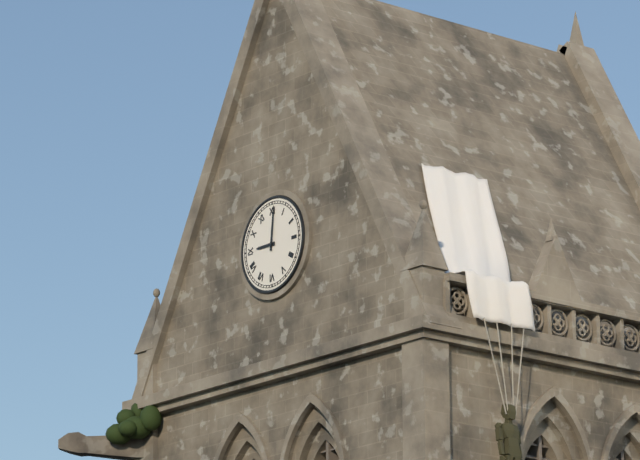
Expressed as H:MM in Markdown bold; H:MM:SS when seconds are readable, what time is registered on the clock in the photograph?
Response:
**9:01**
